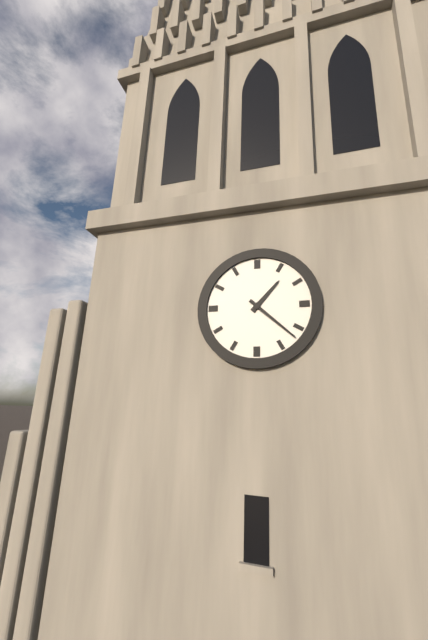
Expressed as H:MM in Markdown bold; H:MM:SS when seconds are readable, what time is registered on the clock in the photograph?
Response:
**1:22**
